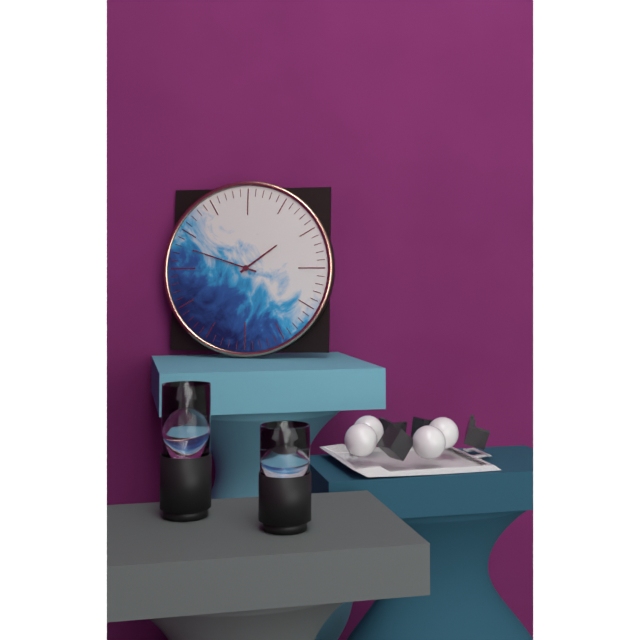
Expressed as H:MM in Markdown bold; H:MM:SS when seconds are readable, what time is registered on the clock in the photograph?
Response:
**1:48**
